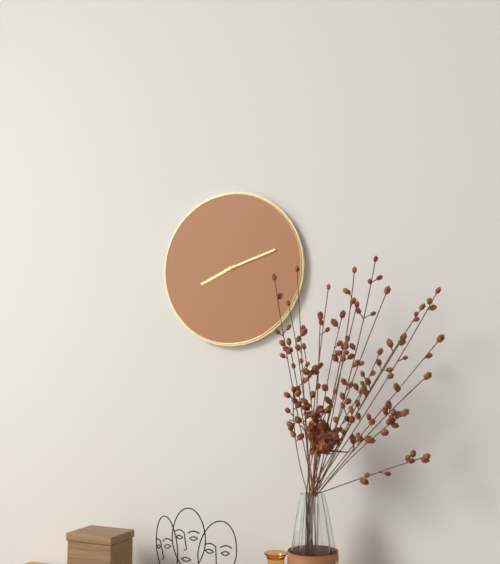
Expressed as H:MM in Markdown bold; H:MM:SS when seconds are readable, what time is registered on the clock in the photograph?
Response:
**8:12**
